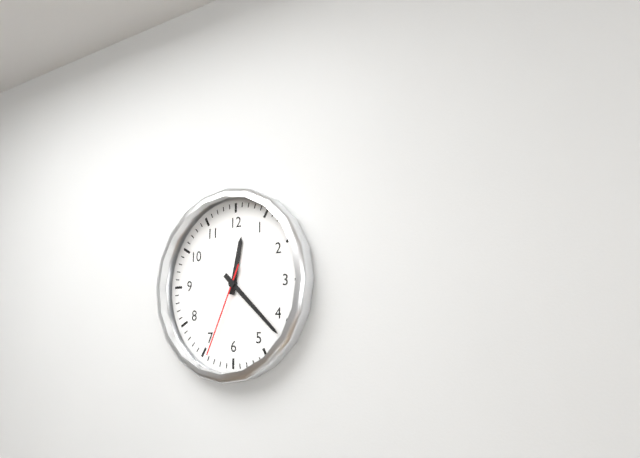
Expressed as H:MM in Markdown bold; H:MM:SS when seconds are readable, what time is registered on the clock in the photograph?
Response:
**12:22:34**
